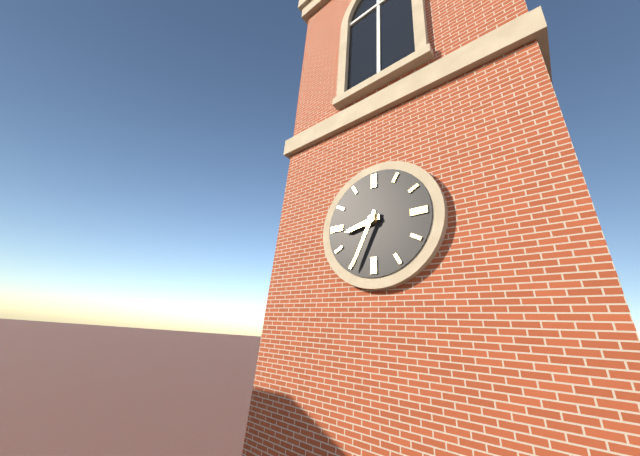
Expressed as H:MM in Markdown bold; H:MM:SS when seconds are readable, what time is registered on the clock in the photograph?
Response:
**8:34**
